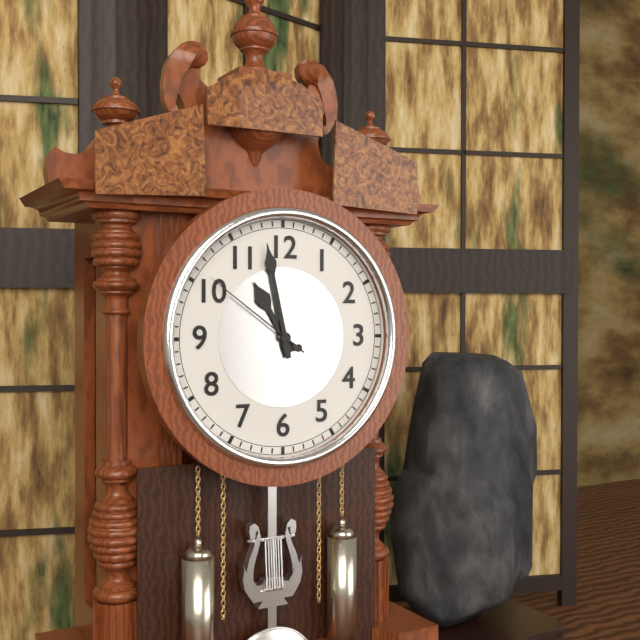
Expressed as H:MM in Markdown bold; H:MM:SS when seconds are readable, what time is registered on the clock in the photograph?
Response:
**10:58:51**
